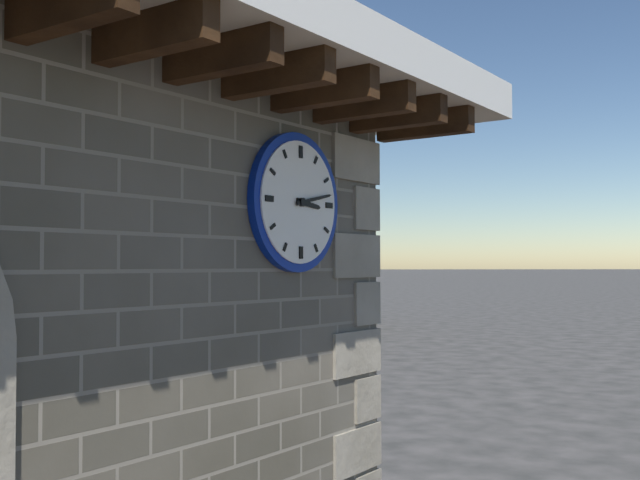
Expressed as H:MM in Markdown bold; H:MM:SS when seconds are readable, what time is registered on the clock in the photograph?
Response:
**3:13**
